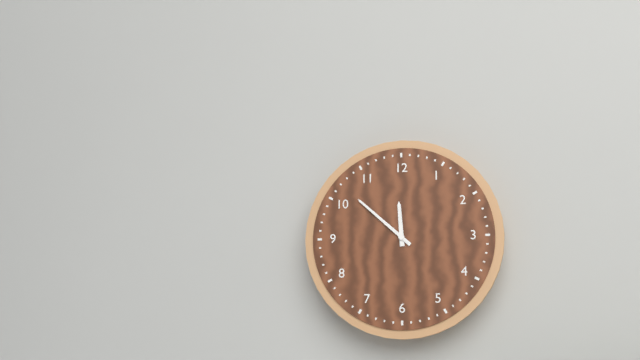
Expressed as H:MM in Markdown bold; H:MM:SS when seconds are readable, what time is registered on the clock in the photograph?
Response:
**11:52**
